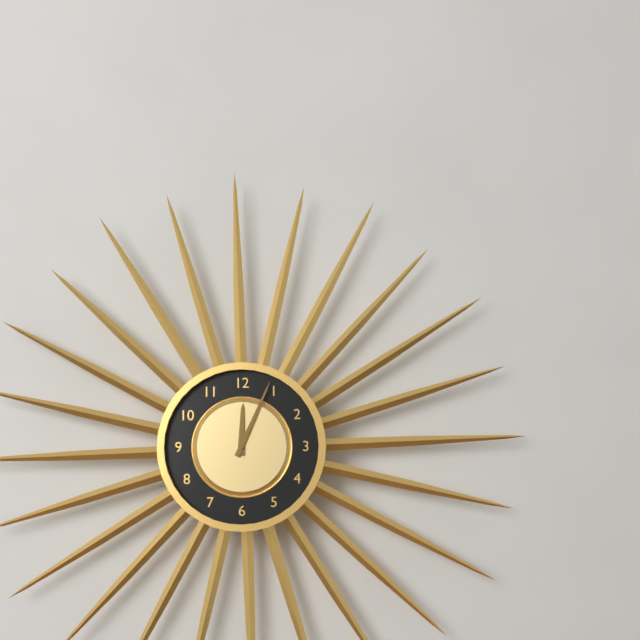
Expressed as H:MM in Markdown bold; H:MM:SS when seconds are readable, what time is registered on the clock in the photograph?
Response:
**12:04**
